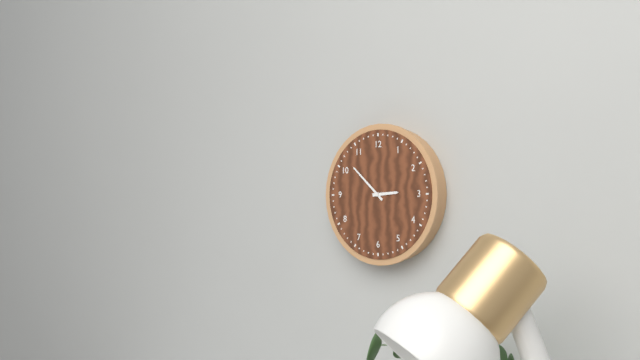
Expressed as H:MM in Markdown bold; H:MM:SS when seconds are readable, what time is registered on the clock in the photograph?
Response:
**2:52**
